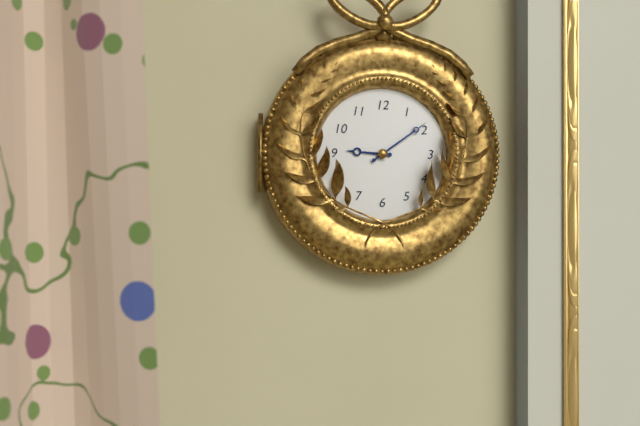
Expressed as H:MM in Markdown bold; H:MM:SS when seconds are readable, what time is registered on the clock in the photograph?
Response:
**9:09**
